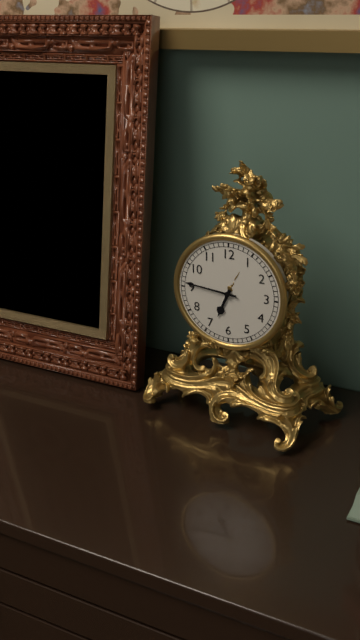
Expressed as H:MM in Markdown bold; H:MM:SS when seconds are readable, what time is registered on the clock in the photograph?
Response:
**6:46**
